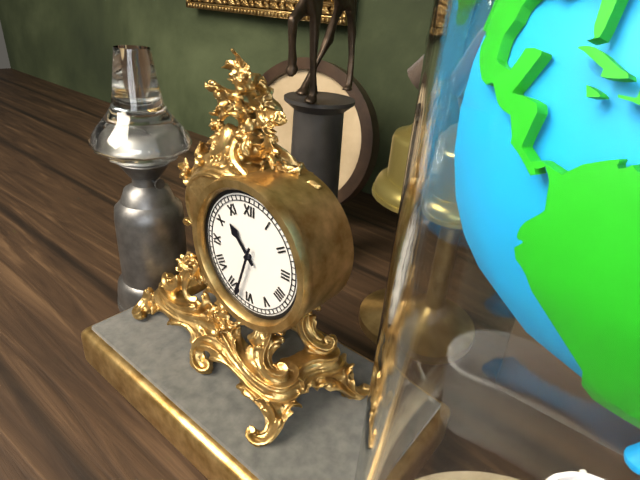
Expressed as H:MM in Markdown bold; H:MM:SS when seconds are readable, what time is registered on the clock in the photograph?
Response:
**10:33**
